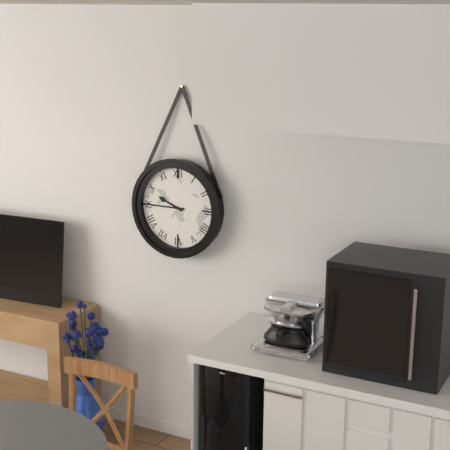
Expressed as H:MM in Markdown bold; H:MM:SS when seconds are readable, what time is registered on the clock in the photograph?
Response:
**9:45**
